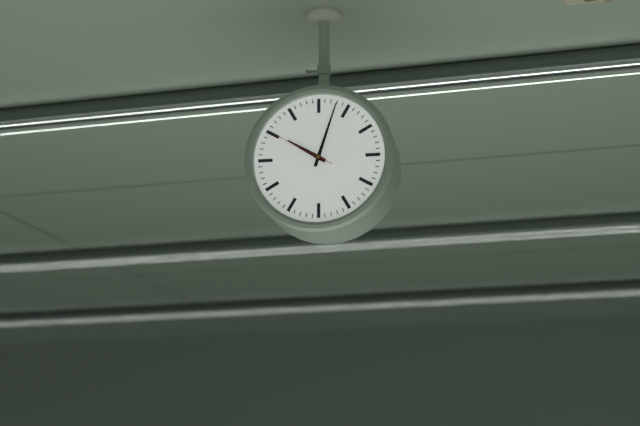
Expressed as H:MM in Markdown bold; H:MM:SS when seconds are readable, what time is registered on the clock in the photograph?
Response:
**10:03:50**
